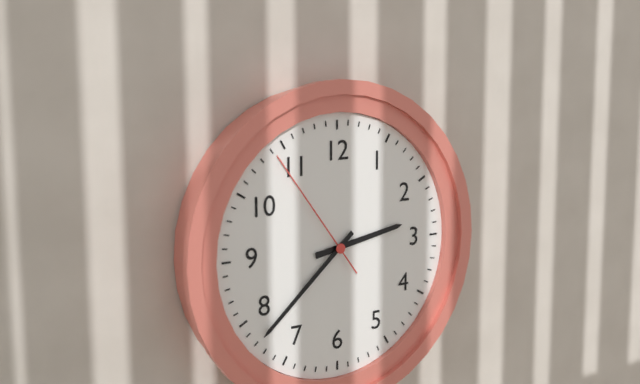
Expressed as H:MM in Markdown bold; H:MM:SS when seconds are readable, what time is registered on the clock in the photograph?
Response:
**2:38:54**
